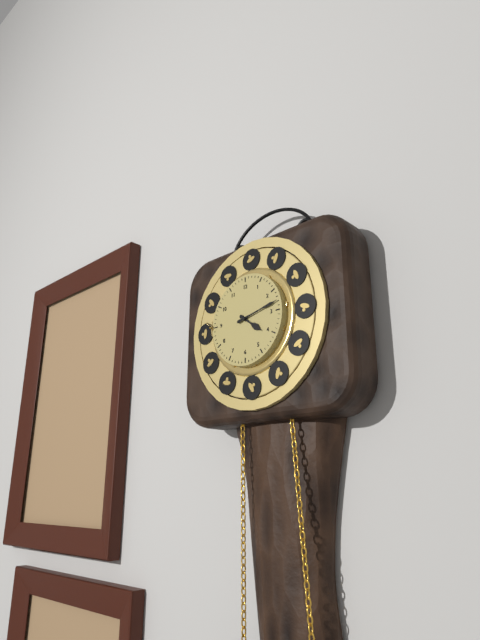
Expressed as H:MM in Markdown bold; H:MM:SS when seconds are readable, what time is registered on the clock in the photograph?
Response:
**4:13**
